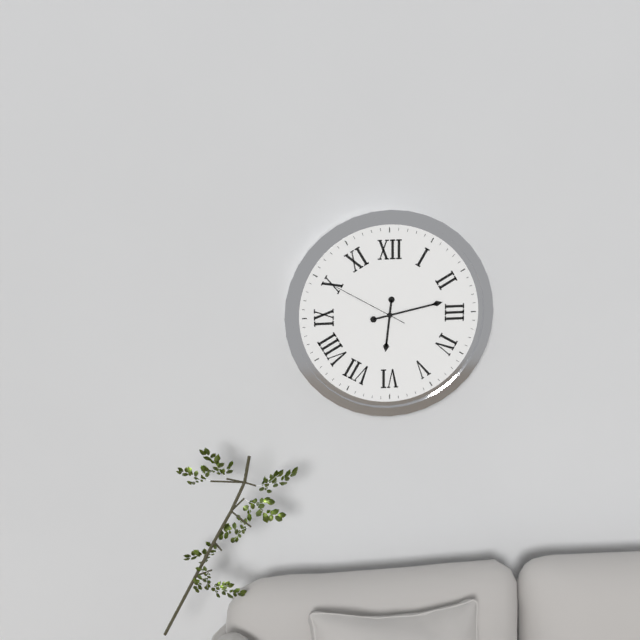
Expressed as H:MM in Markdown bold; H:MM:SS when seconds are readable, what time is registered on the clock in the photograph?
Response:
**6:13:50**
